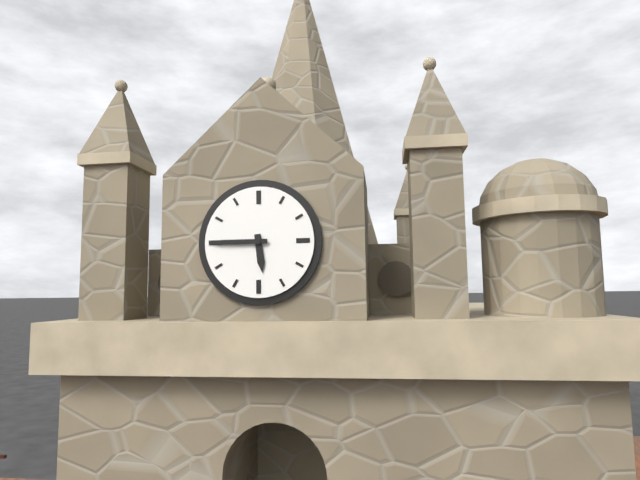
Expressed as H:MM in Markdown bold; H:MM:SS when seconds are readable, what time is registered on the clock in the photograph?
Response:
**5:45**
